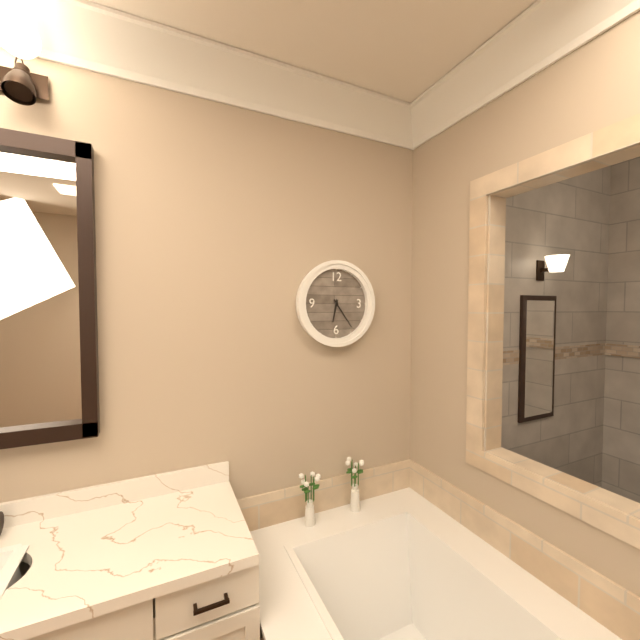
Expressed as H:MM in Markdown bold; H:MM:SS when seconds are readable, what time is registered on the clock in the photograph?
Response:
**6:24**
